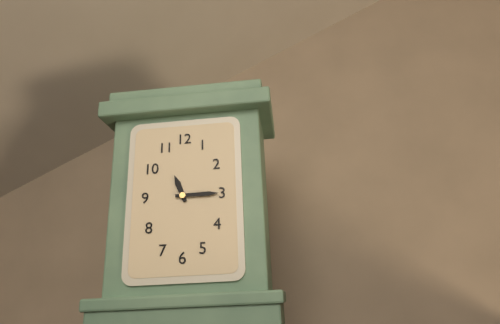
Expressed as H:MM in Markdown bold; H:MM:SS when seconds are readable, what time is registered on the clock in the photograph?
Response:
**11:15**
